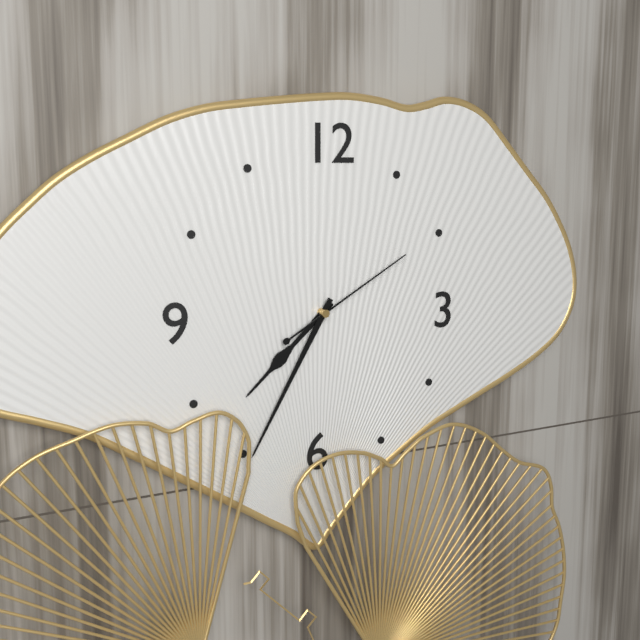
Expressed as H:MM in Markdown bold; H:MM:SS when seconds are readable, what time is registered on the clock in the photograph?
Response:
**7:35:10**
